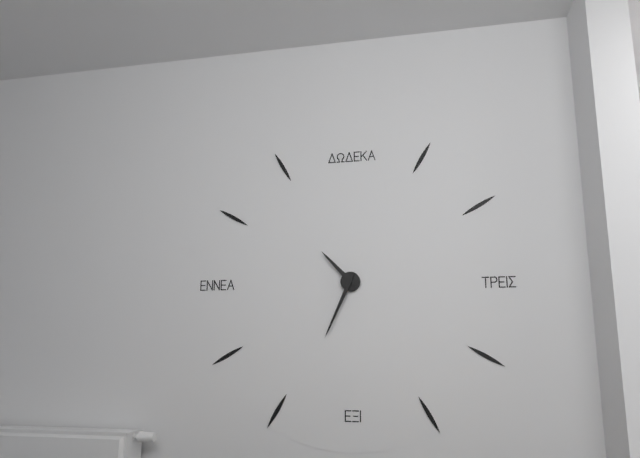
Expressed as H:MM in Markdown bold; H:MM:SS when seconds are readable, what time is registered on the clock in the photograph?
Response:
**10:34**
